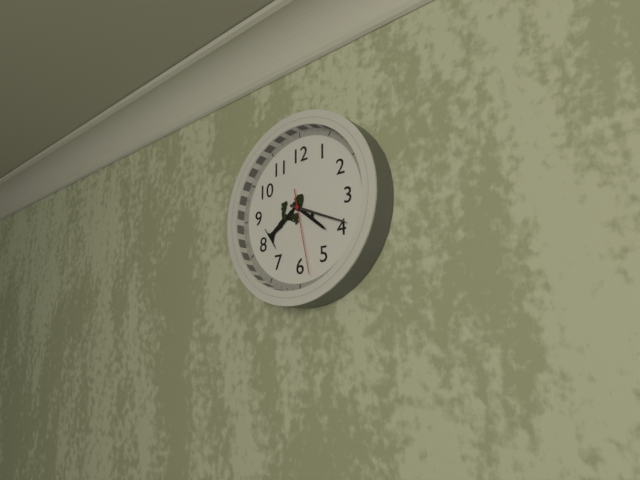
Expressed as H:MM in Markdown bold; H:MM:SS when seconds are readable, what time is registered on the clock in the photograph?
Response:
**4:19:28**
